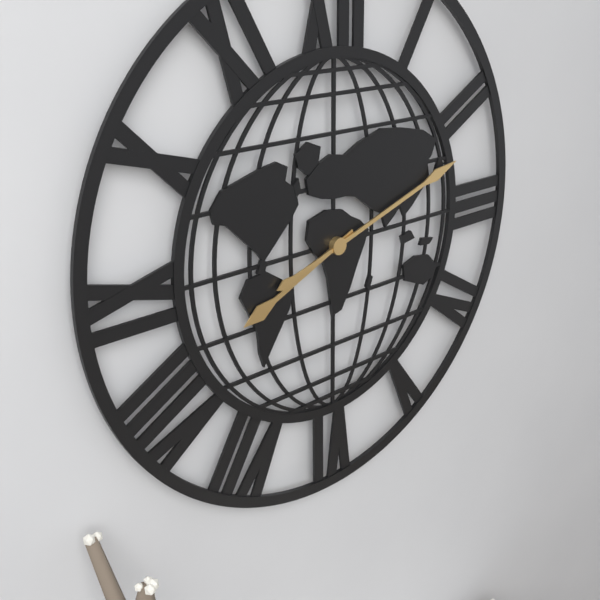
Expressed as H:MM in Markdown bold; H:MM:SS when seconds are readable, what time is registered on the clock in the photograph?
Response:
**8:12**
